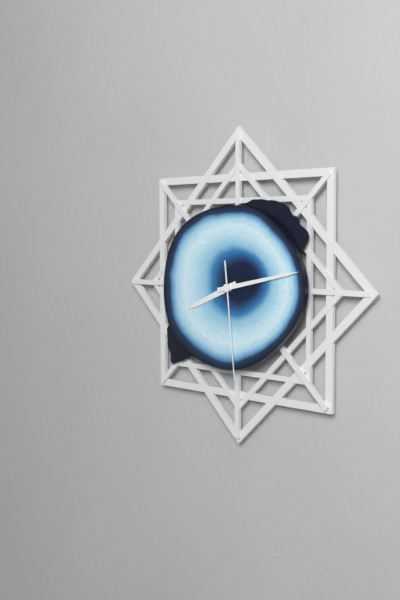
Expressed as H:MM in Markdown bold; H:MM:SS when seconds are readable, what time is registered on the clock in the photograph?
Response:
**8:13:29**
